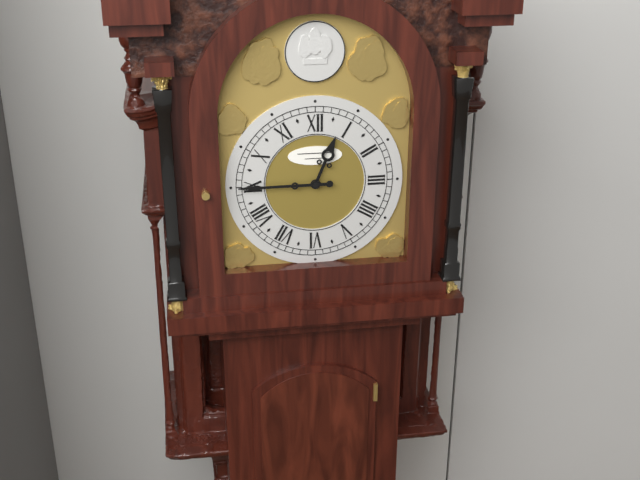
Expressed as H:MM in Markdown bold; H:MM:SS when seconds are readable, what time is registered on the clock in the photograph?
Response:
**12:45**
